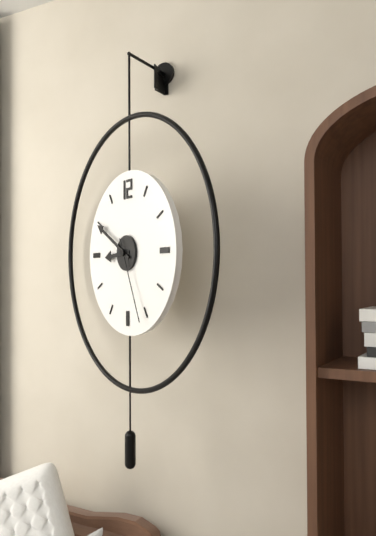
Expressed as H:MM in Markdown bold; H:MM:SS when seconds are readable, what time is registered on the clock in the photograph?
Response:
**8:50:26**
